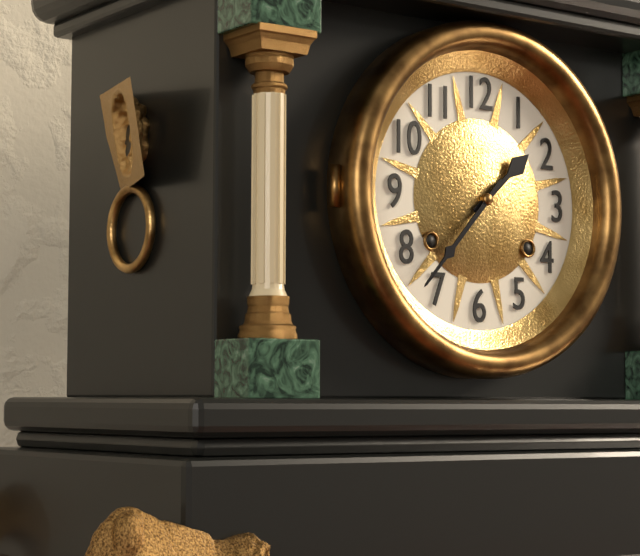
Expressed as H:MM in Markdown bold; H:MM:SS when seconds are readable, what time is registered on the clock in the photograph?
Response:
**1:37**
